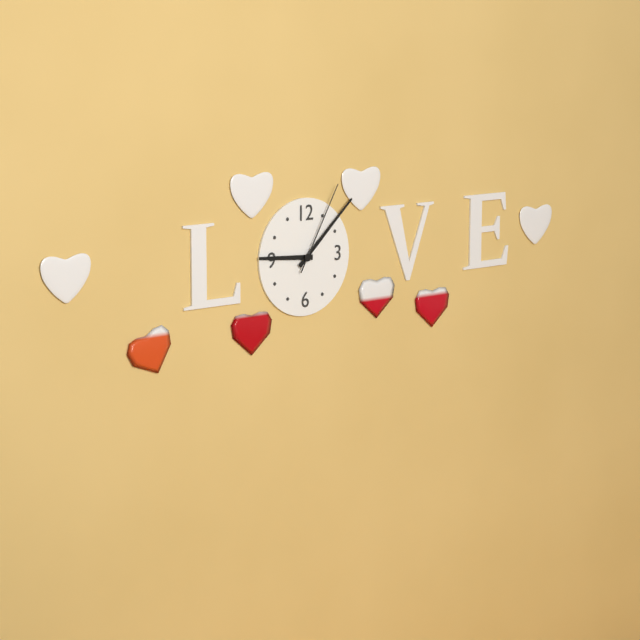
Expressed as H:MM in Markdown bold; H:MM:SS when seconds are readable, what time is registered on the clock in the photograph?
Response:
**9:08:05**
